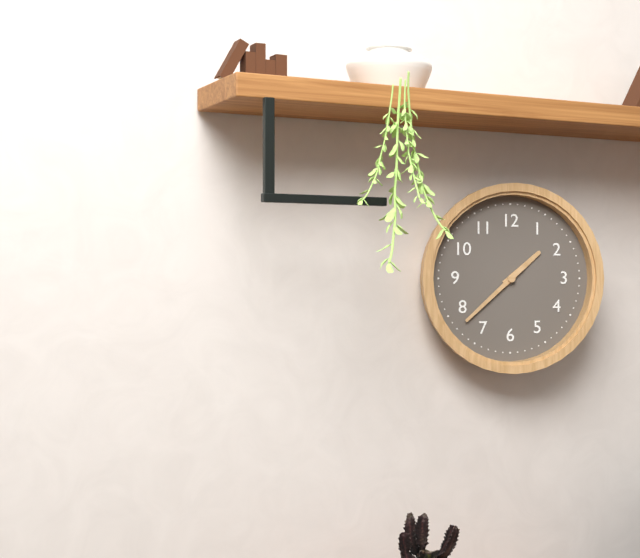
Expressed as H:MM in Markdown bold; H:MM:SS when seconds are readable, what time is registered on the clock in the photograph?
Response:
**1:38**
